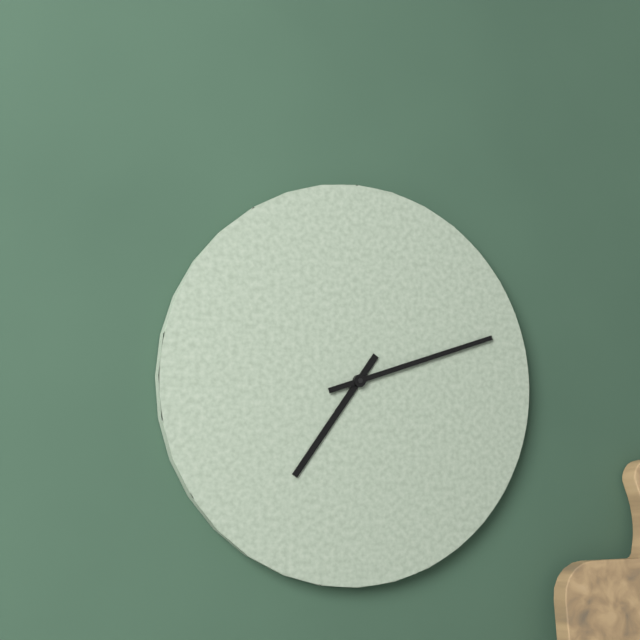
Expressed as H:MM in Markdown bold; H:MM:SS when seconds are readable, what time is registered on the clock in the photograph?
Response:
**7:12**
